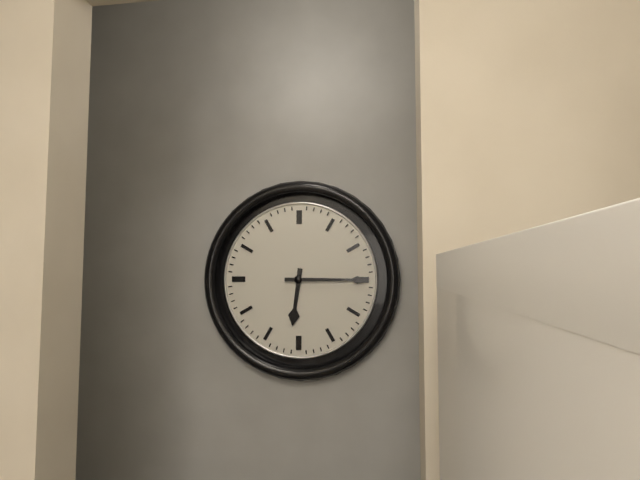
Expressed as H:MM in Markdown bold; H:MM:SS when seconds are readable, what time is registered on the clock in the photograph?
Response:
**6:15**
